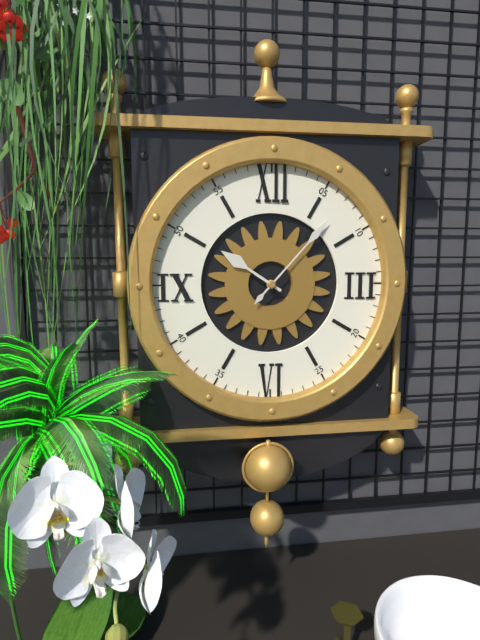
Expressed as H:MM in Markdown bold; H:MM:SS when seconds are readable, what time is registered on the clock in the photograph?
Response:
**10:07**
